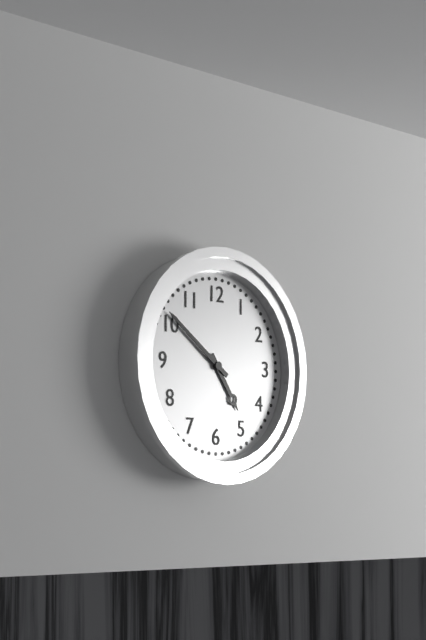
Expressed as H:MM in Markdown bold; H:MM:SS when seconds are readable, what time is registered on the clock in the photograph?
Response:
**4:51**
